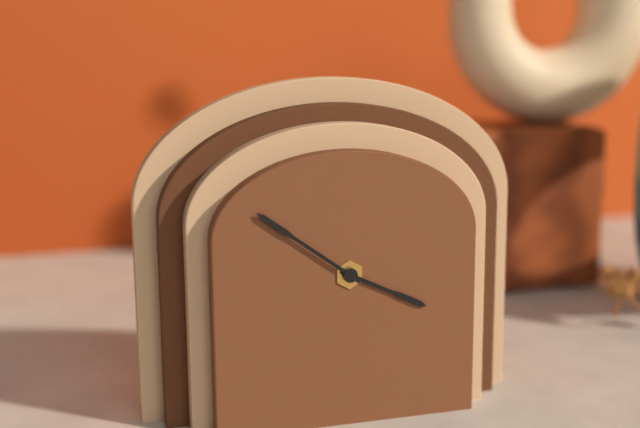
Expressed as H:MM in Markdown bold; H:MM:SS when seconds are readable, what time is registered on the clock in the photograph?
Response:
**3:51**
